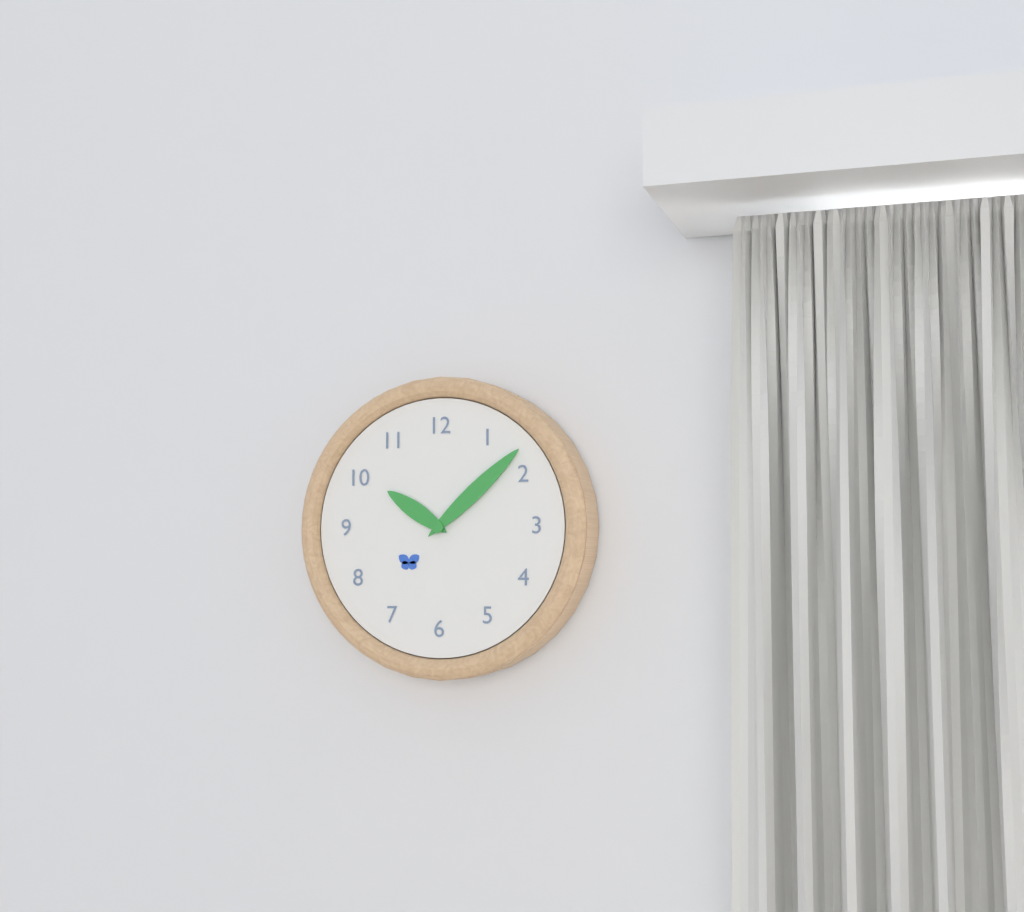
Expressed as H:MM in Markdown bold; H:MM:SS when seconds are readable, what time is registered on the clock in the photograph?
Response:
**10:08**
